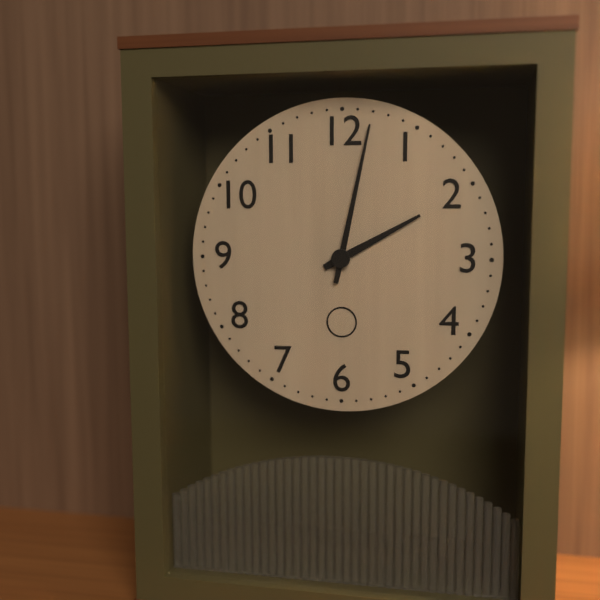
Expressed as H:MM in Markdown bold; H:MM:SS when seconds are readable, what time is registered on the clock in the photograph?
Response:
**2:02**
